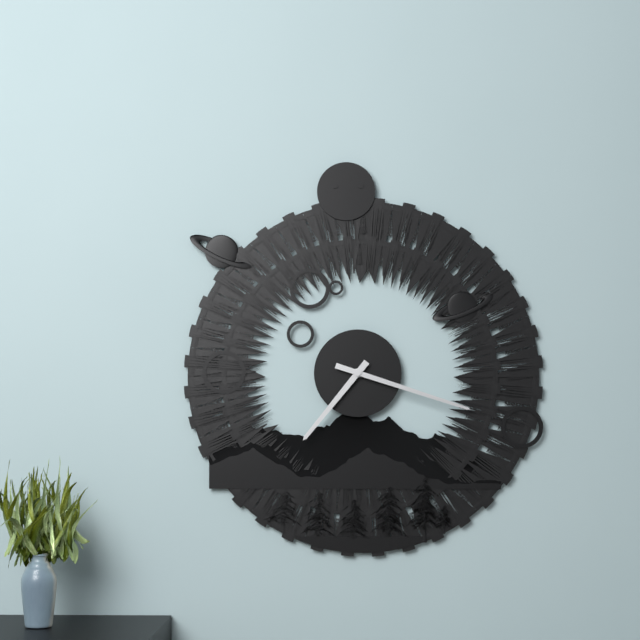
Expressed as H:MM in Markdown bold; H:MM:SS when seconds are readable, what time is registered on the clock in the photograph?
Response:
**7:18**
